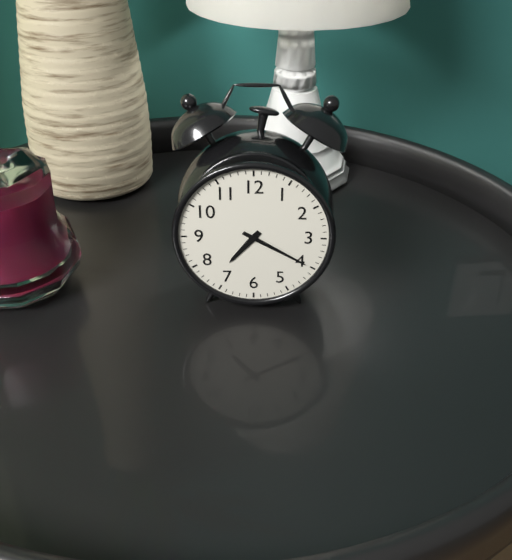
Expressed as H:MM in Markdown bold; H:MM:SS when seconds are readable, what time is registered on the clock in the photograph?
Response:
**7:20**
